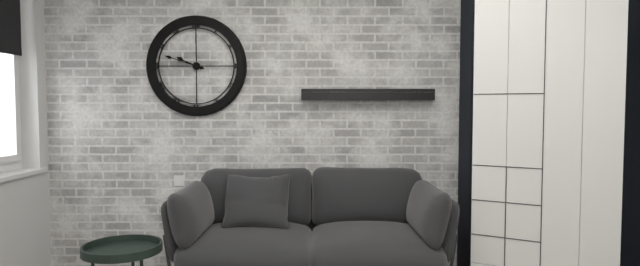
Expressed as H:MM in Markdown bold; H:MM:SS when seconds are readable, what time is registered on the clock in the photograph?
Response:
**9:48**
